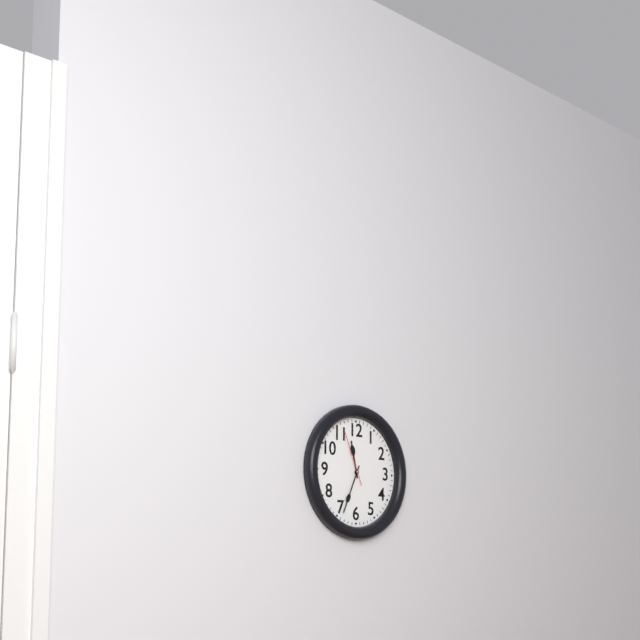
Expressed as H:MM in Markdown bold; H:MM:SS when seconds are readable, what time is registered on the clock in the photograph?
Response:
**11:34:56**
